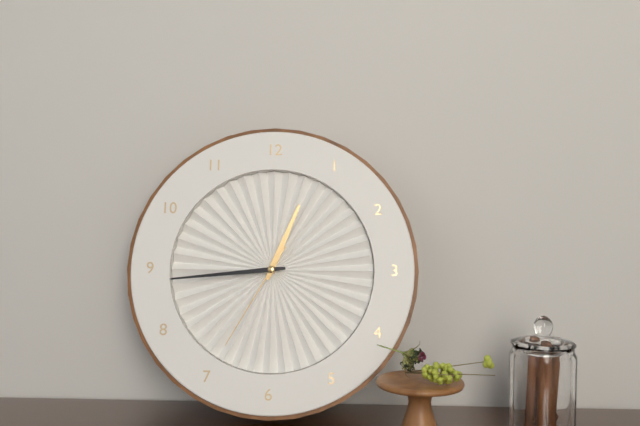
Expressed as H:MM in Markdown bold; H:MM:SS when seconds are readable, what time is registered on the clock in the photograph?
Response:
**12:44:35**
